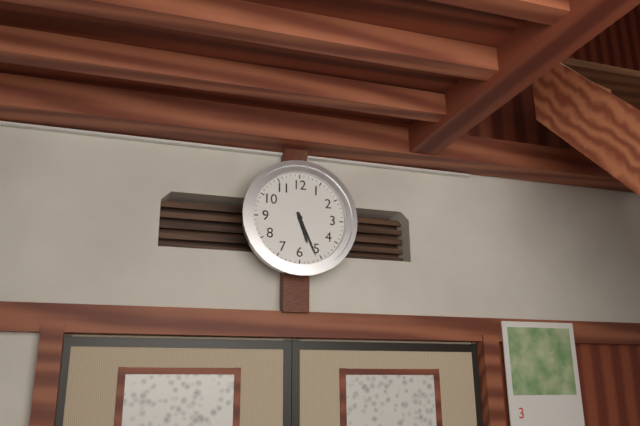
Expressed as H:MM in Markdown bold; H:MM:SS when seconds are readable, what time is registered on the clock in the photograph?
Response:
**5:26**
